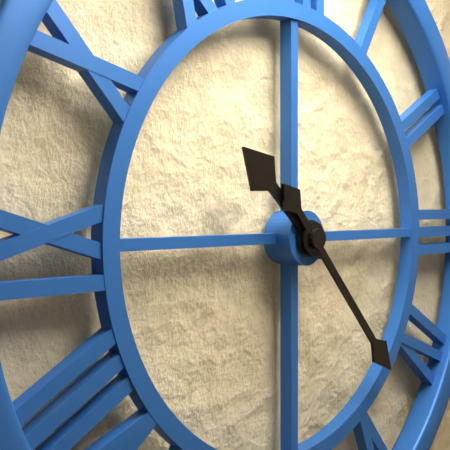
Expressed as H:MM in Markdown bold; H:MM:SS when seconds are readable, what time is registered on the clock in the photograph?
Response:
**10:23**
